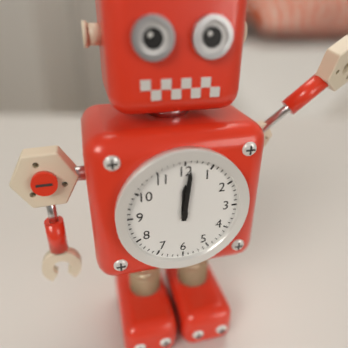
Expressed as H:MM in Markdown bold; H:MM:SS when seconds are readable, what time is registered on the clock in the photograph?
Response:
**12:01**
